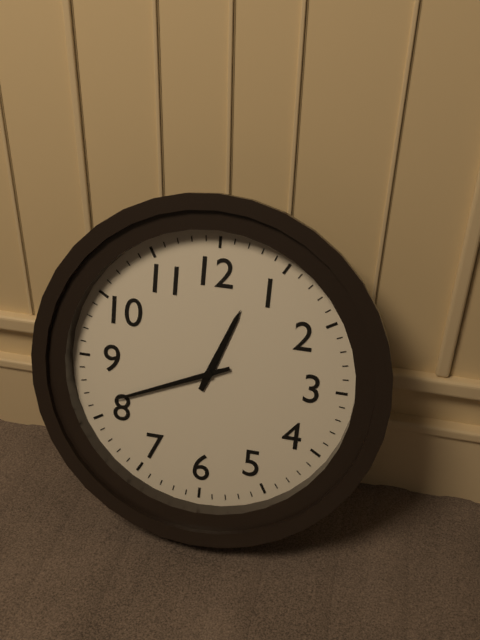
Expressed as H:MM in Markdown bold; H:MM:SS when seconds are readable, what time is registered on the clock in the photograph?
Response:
**12:41**
